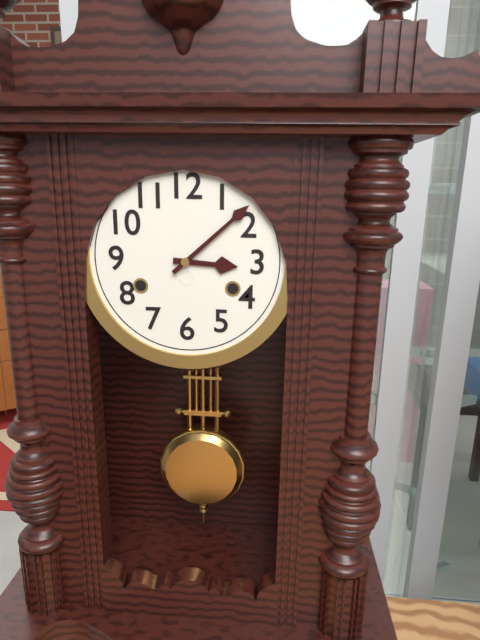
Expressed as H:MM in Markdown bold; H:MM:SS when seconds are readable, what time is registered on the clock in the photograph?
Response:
**3:08**
